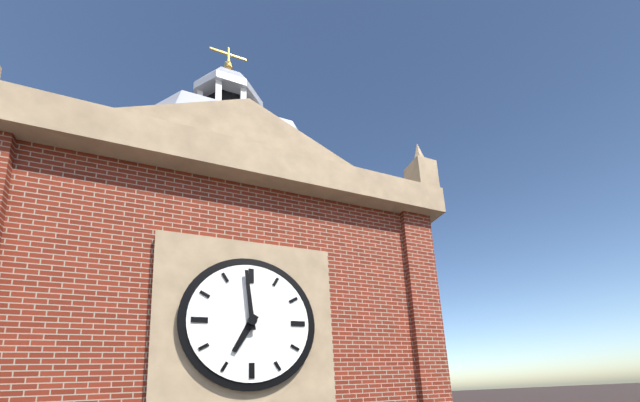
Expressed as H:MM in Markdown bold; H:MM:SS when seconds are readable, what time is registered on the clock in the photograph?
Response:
**6:59**
